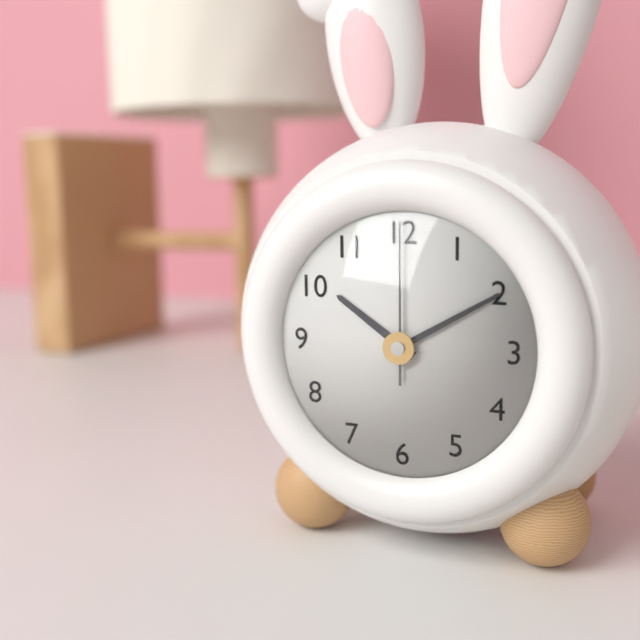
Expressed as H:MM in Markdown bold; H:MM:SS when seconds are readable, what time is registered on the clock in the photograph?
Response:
**10:10:00**
